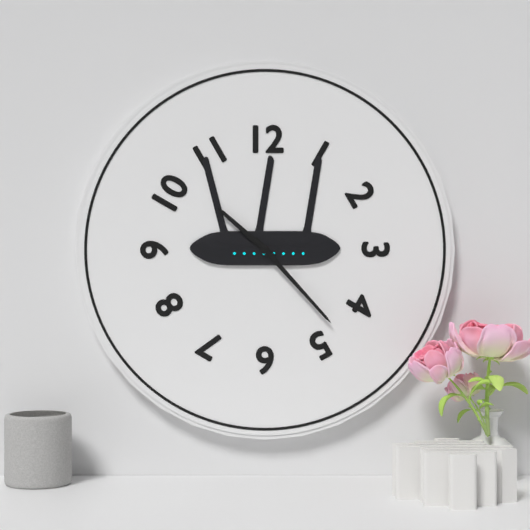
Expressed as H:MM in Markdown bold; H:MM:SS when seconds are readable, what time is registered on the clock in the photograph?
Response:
**10:23**
